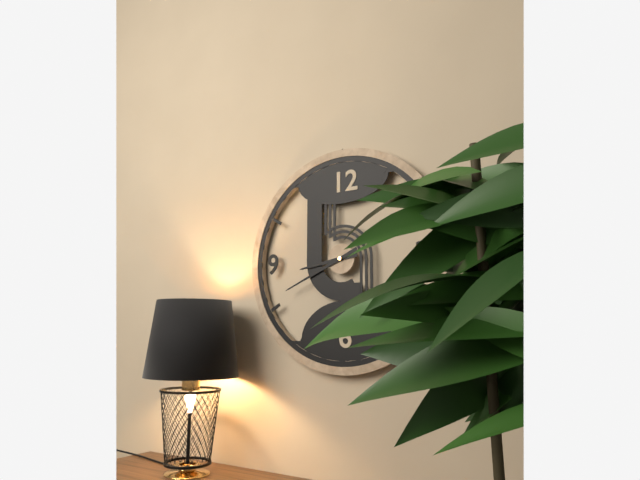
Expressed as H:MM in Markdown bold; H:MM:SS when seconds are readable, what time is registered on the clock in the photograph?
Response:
**8:41**
